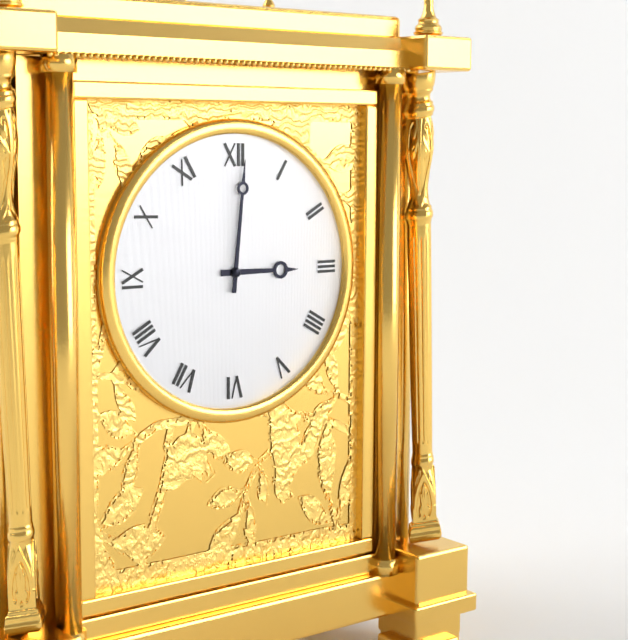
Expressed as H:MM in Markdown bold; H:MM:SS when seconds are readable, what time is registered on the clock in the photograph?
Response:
**3:01**
